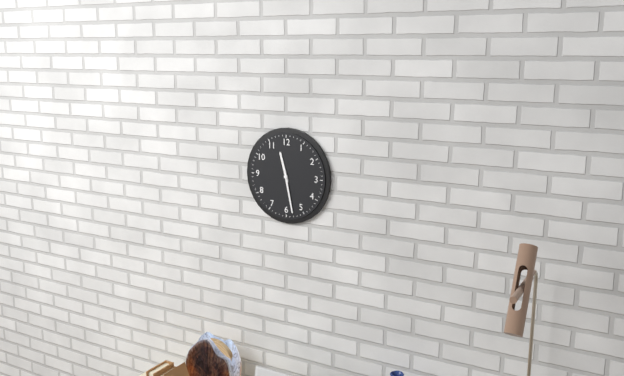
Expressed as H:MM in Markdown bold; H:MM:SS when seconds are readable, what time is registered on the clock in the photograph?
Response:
**11:28**
